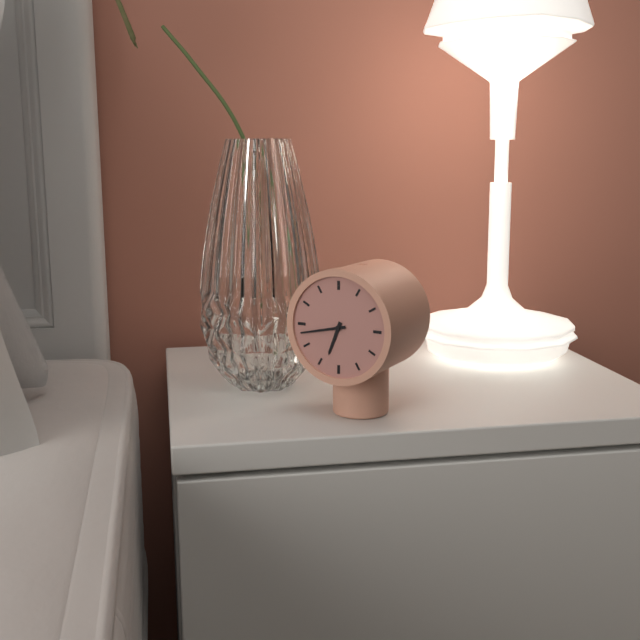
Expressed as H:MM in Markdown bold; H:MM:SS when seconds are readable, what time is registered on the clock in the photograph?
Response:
**6:43**
